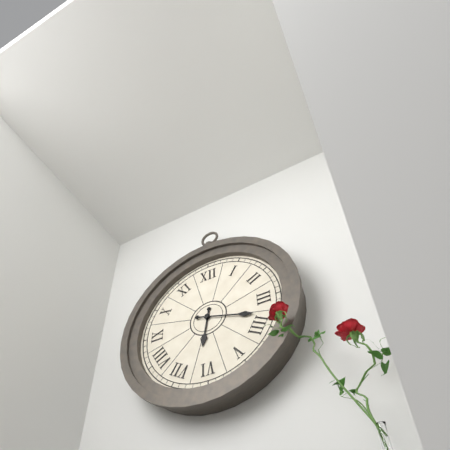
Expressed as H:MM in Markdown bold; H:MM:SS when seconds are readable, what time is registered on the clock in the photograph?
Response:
**6:18**
